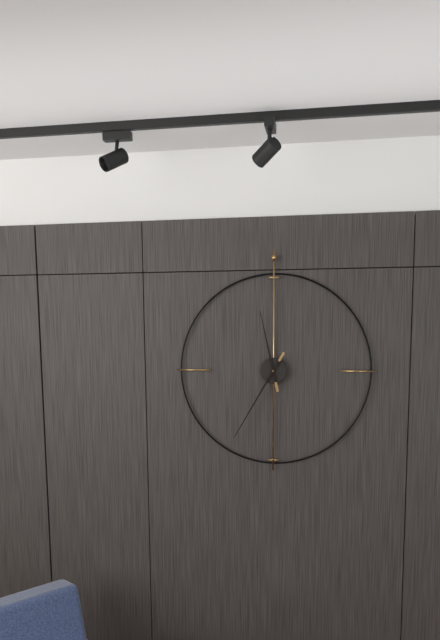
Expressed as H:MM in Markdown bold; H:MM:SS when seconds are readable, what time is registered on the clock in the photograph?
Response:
**11:35**
